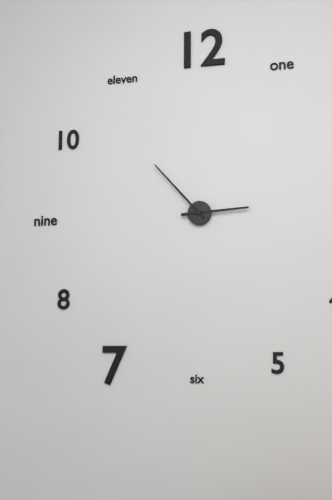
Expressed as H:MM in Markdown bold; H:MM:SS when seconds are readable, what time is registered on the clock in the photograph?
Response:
**2:53**
